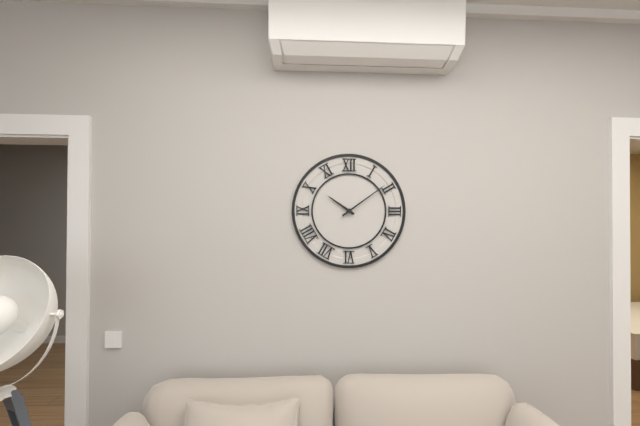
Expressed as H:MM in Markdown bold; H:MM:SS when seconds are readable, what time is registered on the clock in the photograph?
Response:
**10:09**
